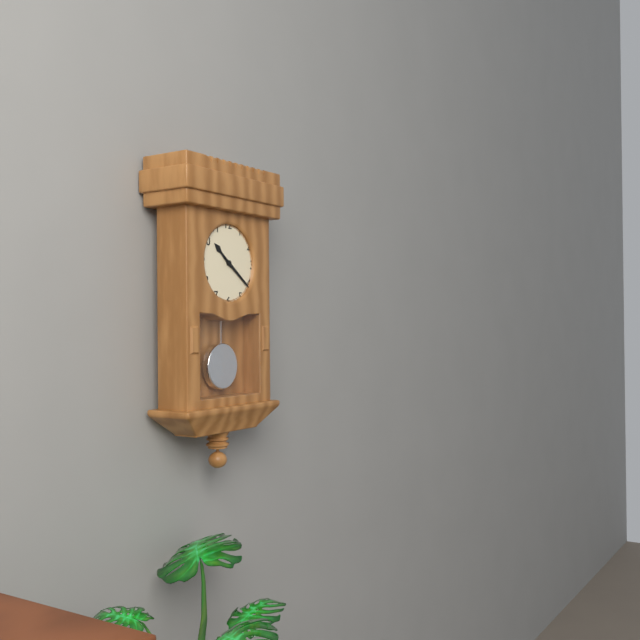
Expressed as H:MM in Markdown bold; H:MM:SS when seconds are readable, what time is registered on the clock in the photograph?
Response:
**10:21**
